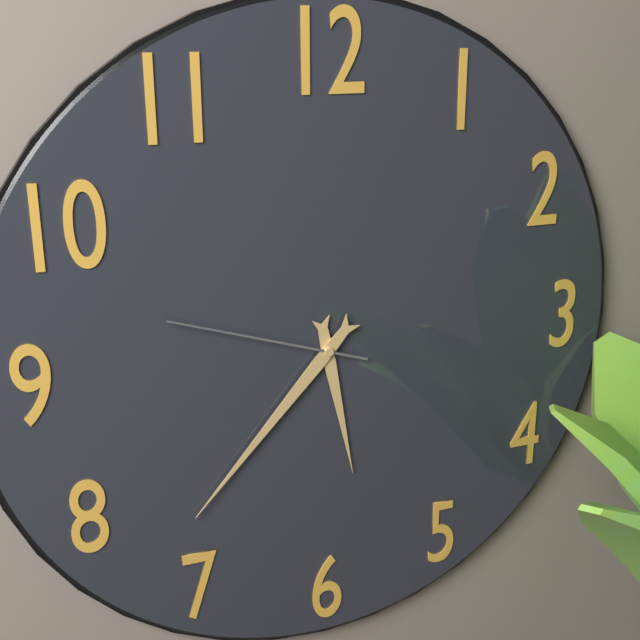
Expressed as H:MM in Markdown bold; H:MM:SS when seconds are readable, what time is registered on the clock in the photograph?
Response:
**5:37:48**
